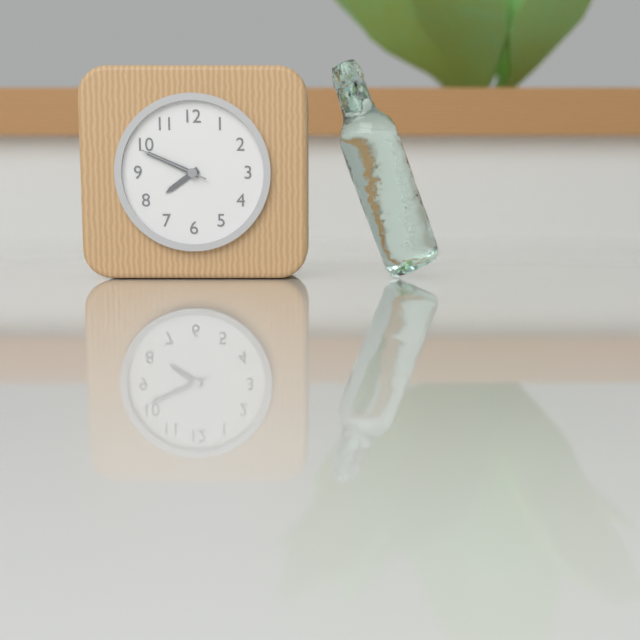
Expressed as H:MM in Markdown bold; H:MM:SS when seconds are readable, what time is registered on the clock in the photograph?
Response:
**7:49:49**
